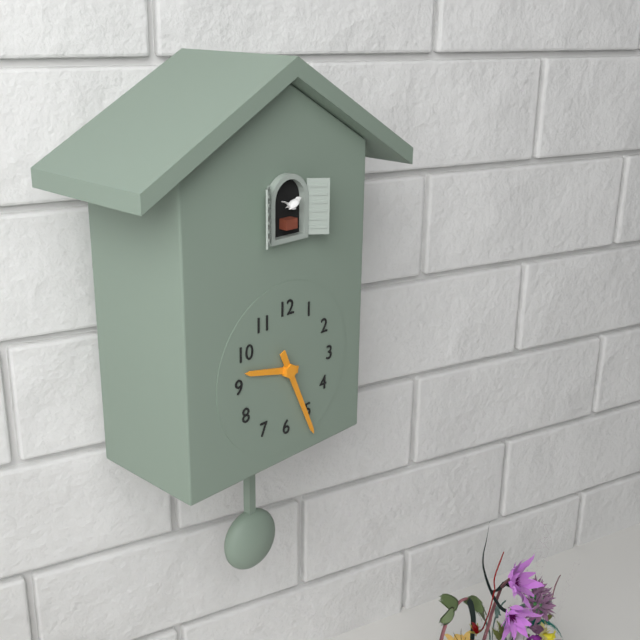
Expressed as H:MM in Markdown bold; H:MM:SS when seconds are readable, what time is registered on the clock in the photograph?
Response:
**9:26**
